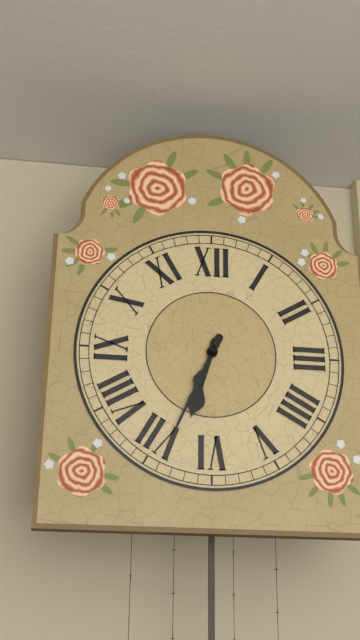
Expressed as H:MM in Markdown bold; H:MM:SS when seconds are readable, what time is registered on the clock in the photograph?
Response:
**6:34**
